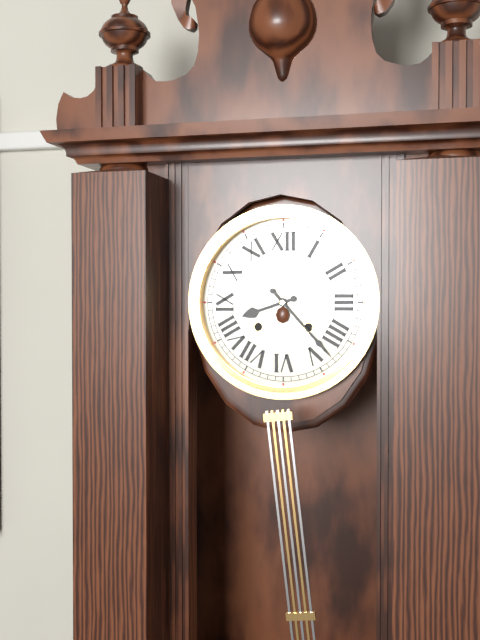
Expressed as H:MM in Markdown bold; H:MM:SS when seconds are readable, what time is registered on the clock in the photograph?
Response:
**8:23**
